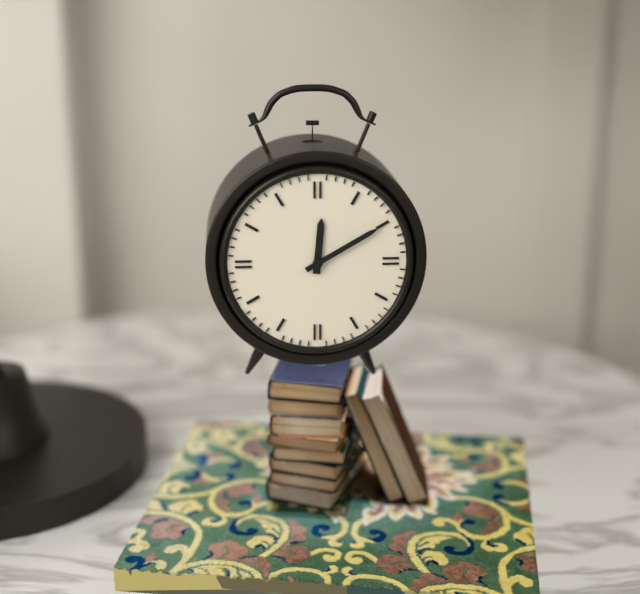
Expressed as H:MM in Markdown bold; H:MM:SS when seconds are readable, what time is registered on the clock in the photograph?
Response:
**12:10**
